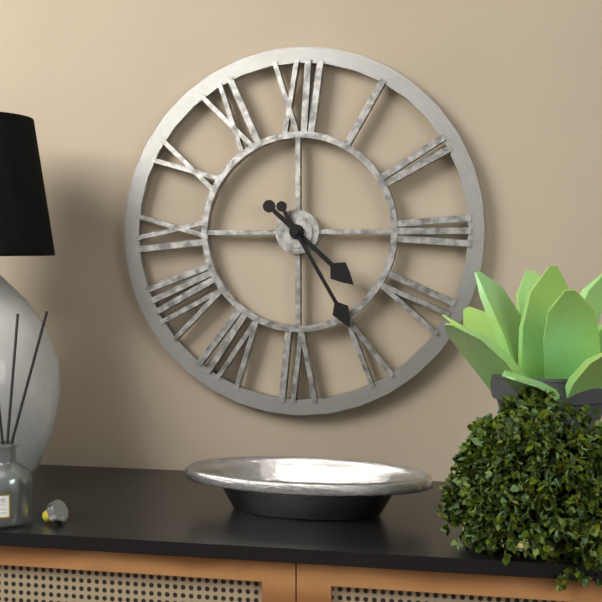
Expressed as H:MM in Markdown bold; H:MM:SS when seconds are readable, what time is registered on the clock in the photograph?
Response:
**4:25**
